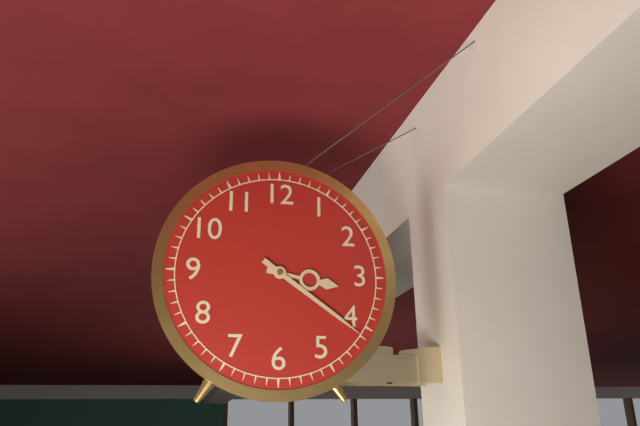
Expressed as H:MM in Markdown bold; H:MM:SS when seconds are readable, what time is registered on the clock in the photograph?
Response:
**3:21**
